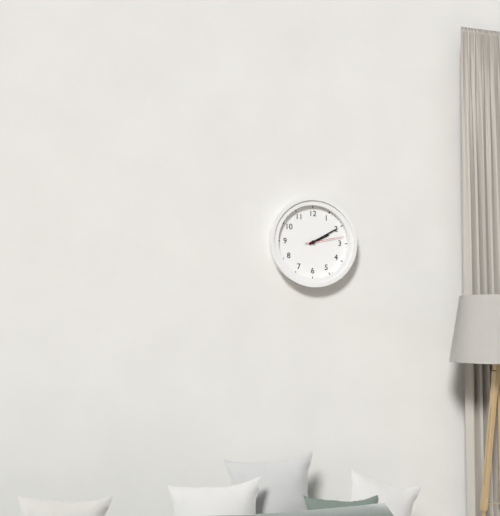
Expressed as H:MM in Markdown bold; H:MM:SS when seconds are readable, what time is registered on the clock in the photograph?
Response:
**2:10**
